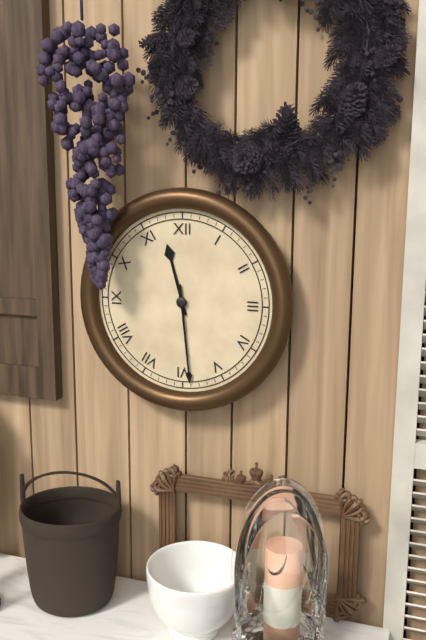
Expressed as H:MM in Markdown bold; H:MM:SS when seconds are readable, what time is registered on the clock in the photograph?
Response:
**11:29**
